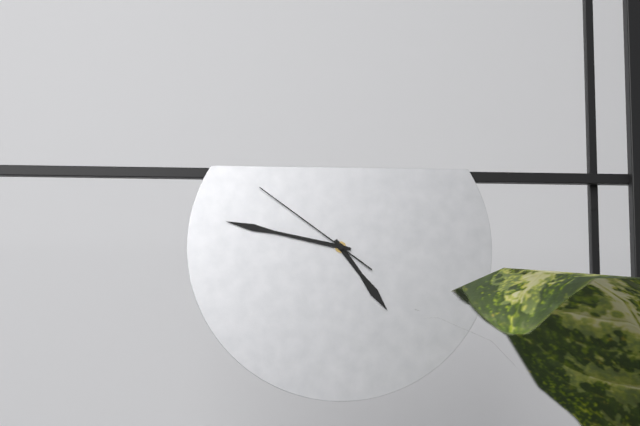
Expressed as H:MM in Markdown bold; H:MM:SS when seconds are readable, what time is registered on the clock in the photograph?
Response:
**4:47:51**
